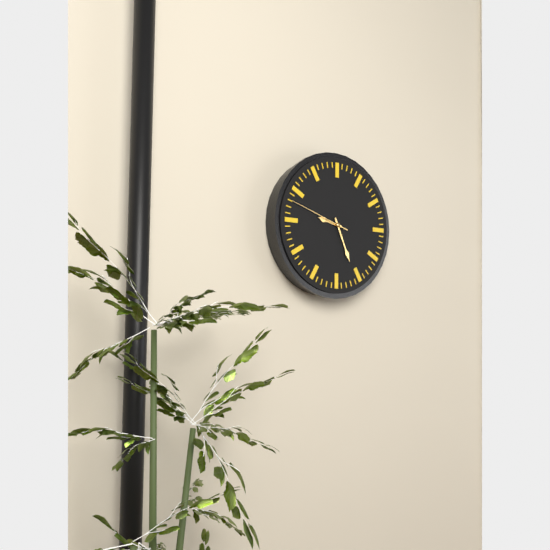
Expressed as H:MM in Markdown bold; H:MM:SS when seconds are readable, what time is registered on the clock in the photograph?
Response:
**9:26:48**
